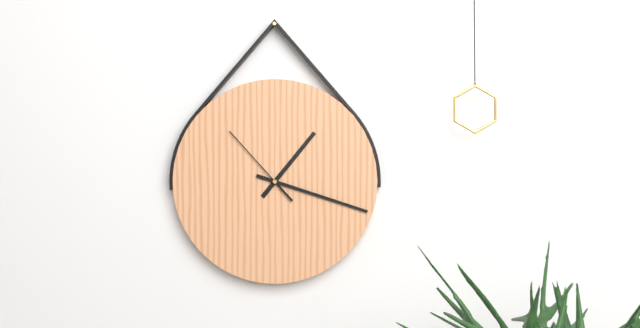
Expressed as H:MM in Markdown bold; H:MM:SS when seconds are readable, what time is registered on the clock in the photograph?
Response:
**1:18:53**
